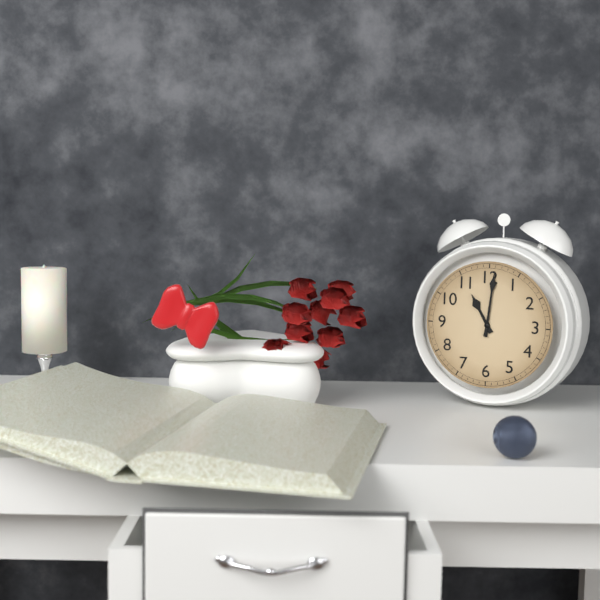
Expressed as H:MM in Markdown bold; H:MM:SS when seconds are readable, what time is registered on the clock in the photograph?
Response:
**11:01**
